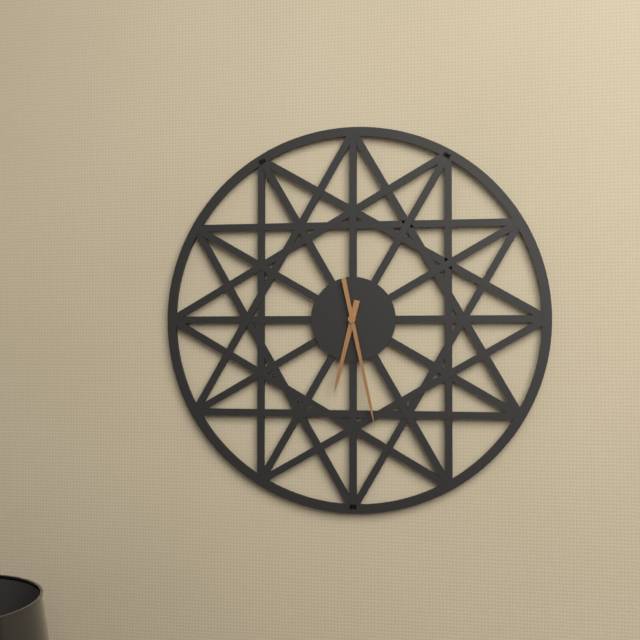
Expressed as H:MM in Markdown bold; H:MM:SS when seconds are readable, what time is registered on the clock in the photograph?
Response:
**6:28**
